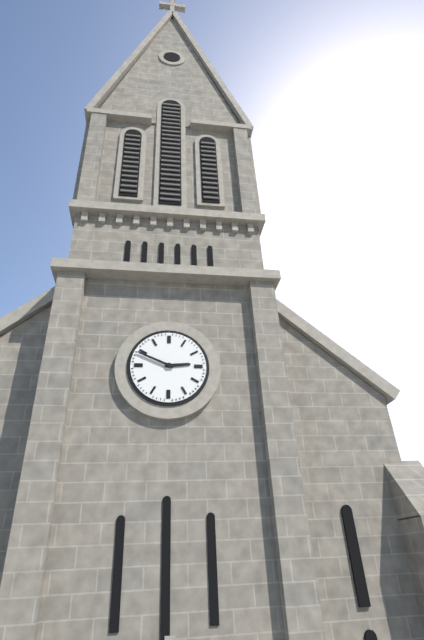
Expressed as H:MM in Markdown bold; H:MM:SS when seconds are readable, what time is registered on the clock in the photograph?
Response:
**2:49**
